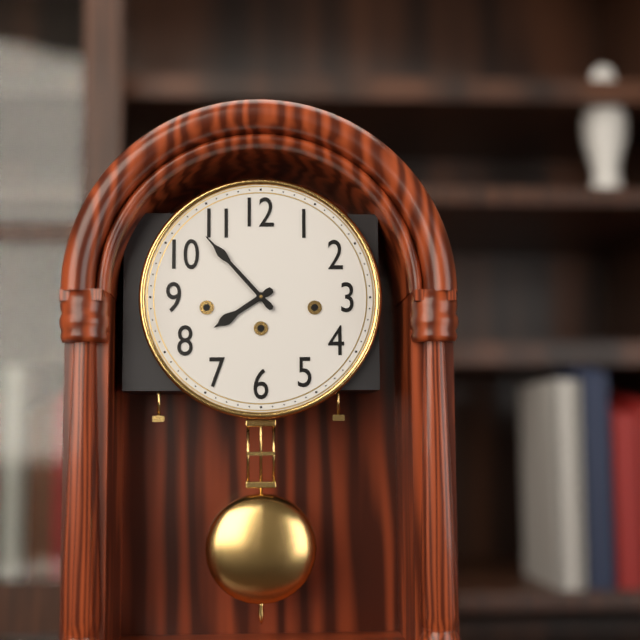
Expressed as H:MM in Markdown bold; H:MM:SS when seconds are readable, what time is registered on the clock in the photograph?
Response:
**7:53**
